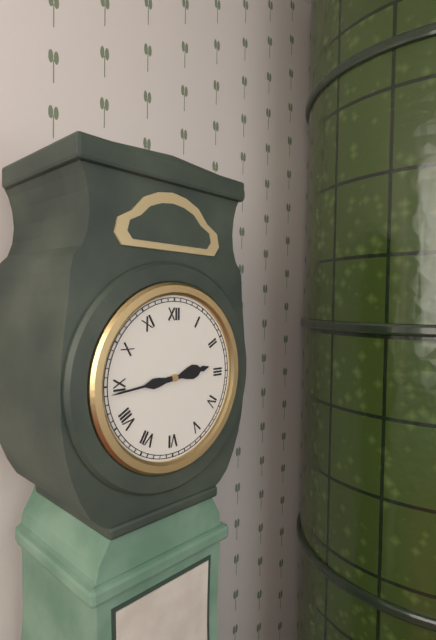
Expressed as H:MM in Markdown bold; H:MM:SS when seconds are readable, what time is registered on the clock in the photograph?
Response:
**2:44**
